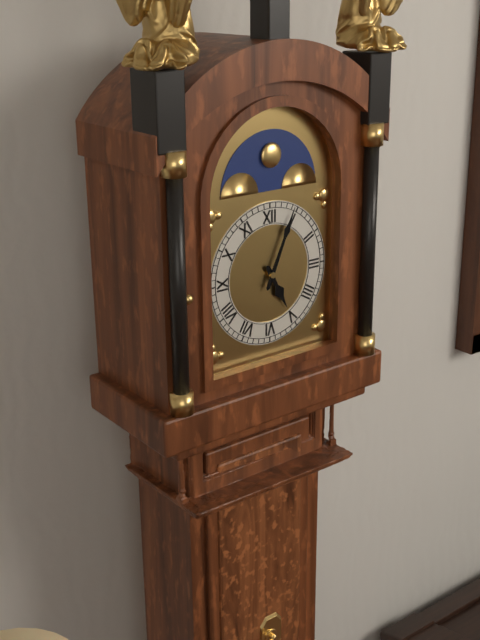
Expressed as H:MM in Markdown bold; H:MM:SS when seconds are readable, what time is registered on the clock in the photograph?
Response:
**5:04**
